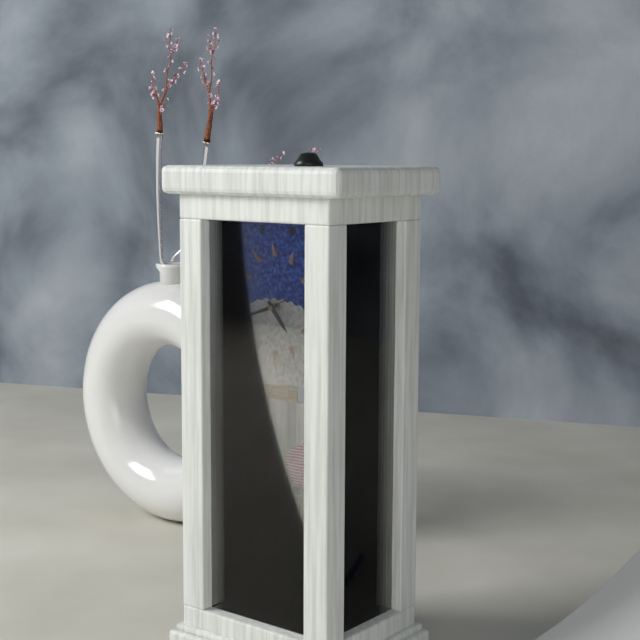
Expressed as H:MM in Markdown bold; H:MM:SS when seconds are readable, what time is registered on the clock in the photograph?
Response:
**4:42**
